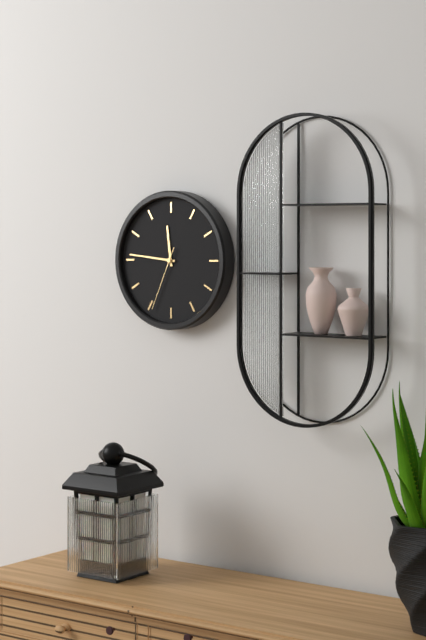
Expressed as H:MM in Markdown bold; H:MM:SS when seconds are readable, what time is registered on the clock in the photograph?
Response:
**11:46:34**
